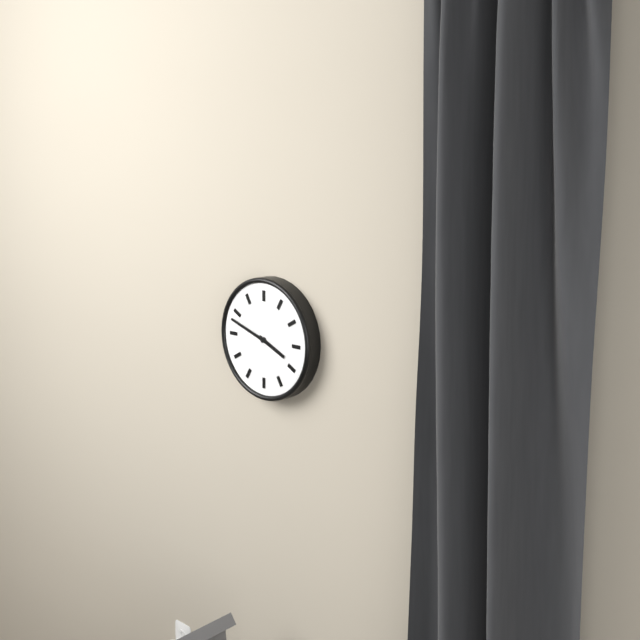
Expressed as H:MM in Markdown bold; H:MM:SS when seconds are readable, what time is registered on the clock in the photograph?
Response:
**3:48**
